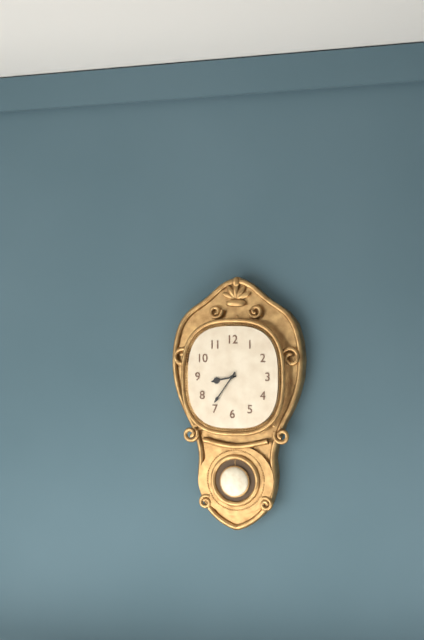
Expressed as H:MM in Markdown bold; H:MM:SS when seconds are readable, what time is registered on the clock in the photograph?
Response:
**8:36**
